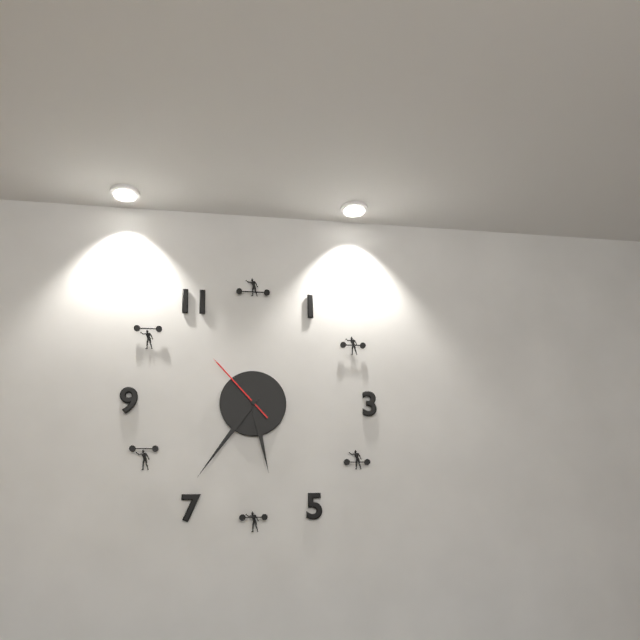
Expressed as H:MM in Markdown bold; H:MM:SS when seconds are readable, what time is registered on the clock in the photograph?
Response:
**5:36:53**
